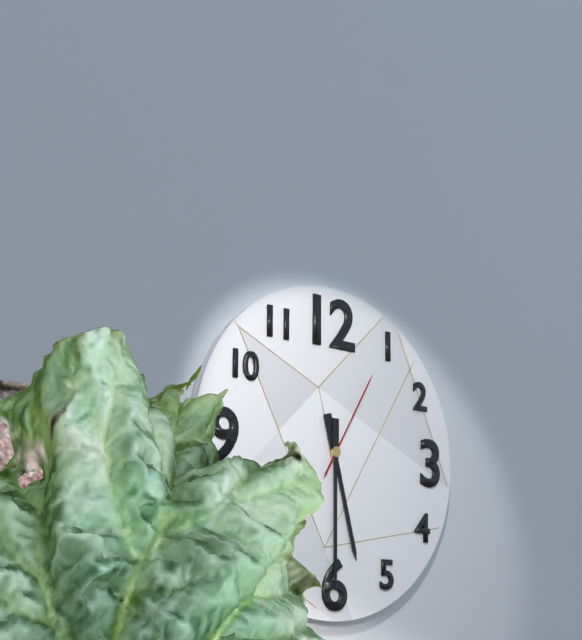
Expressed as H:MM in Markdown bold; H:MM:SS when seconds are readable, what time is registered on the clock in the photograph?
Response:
**5:30:05**
